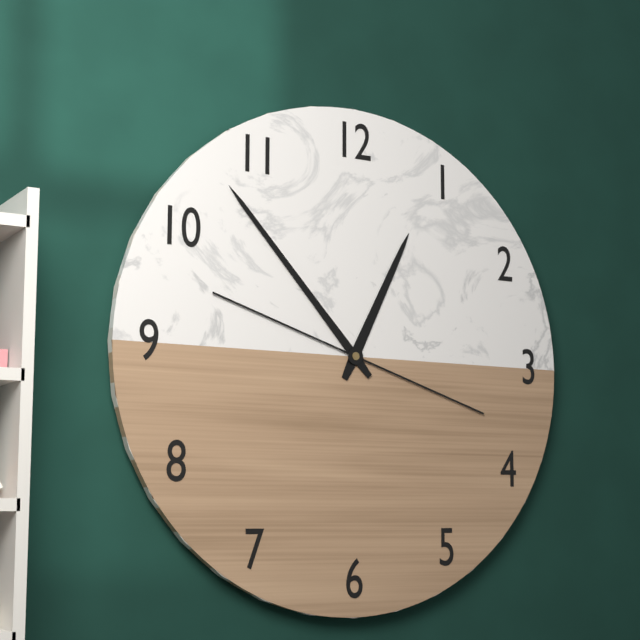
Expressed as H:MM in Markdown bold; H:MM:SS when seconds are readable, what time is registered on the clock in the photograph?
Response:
**12:53**
